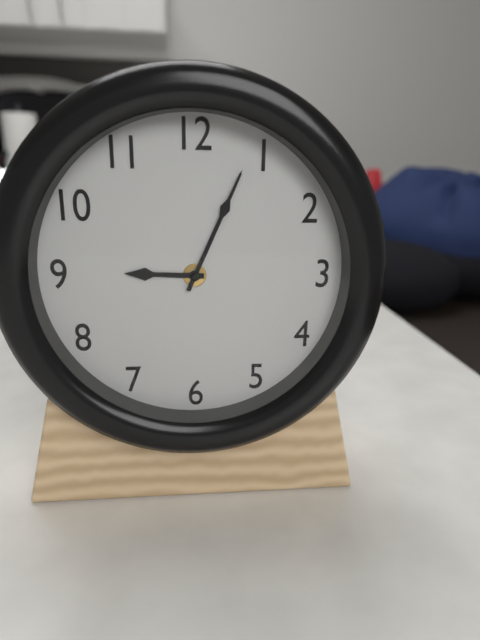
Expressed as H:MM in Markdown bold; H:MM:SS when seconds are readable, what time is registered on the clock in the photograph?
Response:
**9:04**
